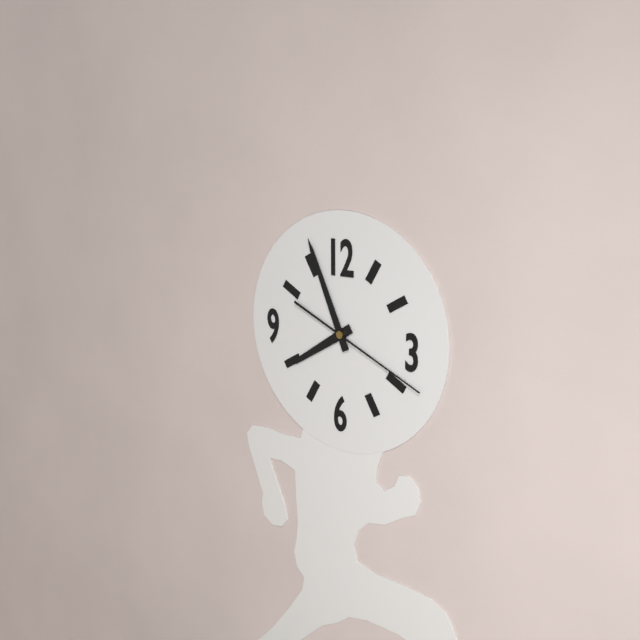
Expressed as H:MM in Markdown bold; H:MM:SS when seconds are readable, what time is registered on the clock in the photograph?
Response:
**7:56:19**
